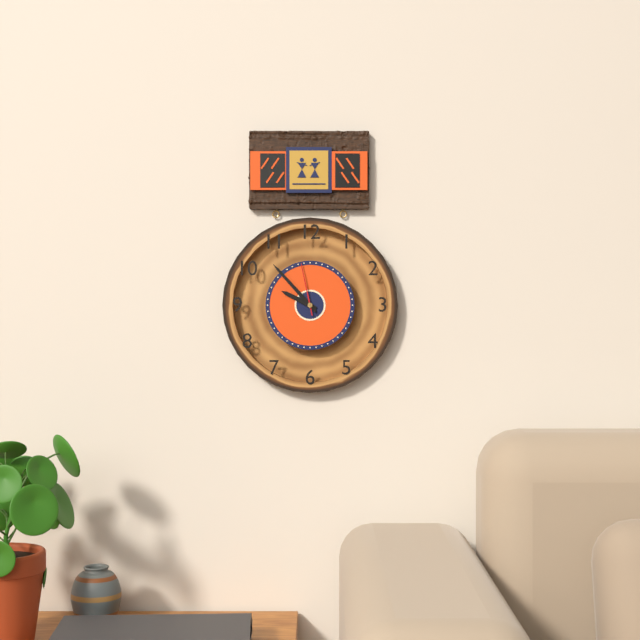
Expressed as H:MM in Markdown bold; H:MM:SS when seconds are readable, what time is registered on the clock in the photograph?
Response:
**9:53:58**
